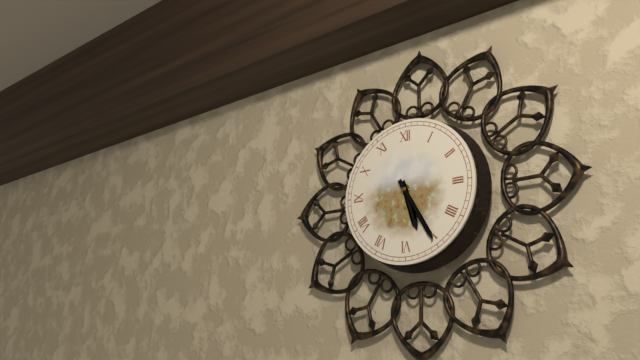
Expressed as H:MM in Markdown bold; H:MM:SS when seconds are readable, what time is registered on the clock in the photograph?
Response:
**5:25**
